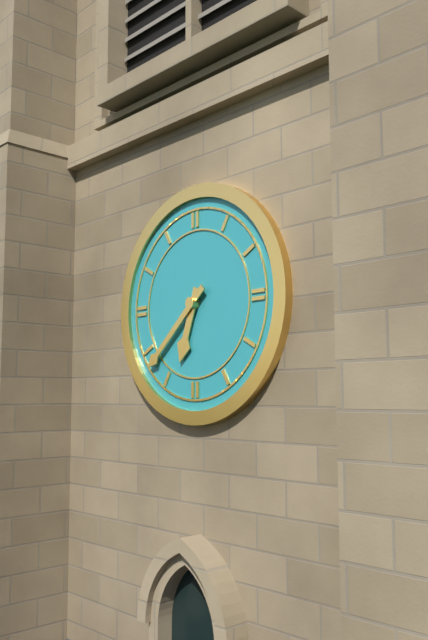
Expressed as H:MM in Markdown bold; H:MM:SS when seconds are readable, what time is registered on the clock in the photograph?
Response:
**6:38**
